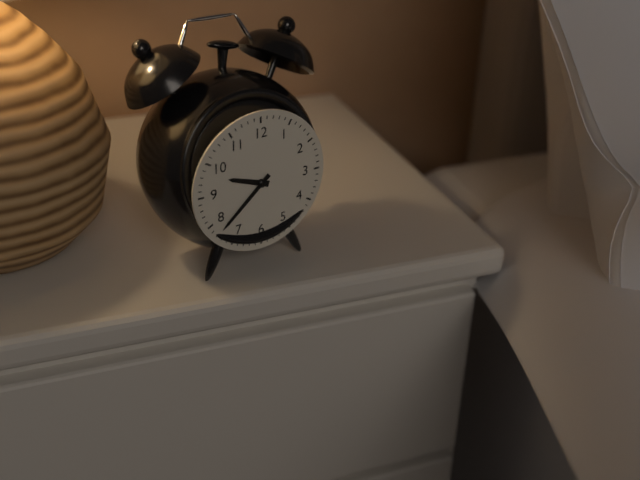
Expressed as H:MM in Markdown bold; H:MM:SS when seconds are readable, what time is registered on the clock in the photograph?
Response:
**9:38**
